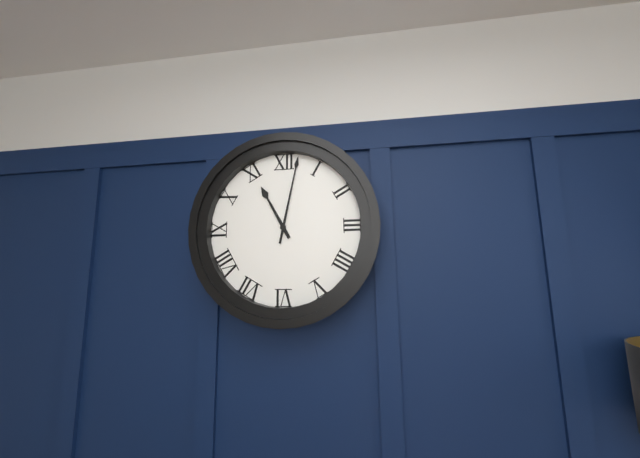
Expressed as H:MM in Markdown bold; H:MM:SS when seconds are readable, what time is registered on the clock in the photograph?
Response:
**11:02**
